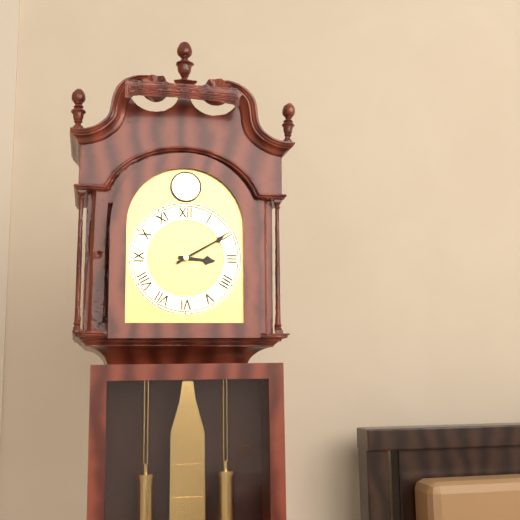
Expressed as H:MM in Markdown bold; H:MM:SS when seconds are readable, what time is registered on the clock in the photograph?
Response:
**3:10**
